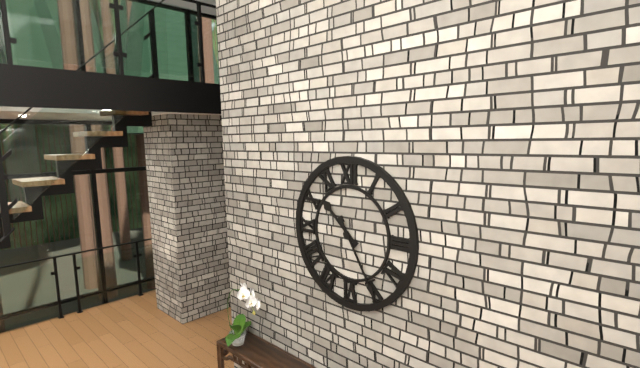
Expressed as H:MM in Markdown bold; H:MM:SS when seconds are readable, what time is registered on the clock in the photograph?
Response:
**10:25**
